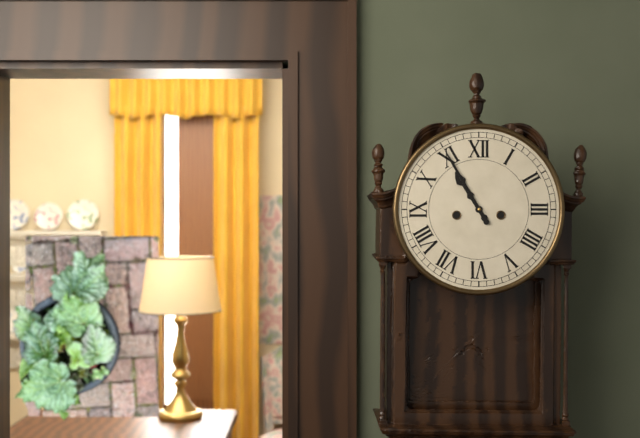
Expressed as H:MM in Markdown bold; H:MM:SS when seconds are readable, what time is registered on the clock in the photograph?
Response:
**10:55**
